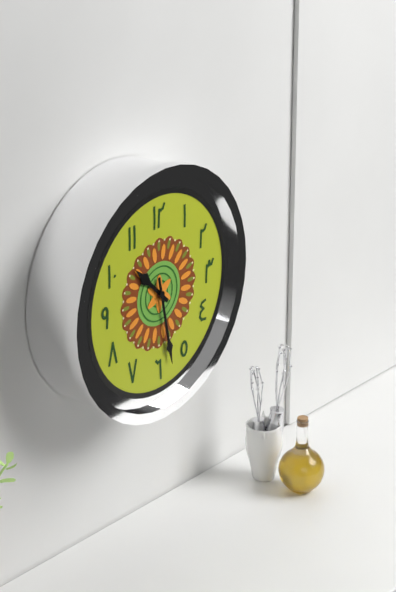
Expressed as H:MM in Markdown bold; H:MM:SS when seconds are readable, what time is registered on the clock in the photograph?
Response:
**10:28**
